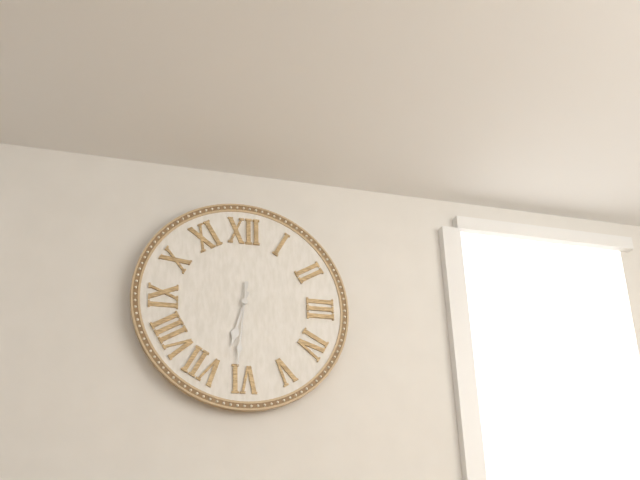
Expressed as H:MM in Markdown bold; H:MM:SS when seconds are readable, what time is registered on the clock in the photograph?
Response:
**6:31**
